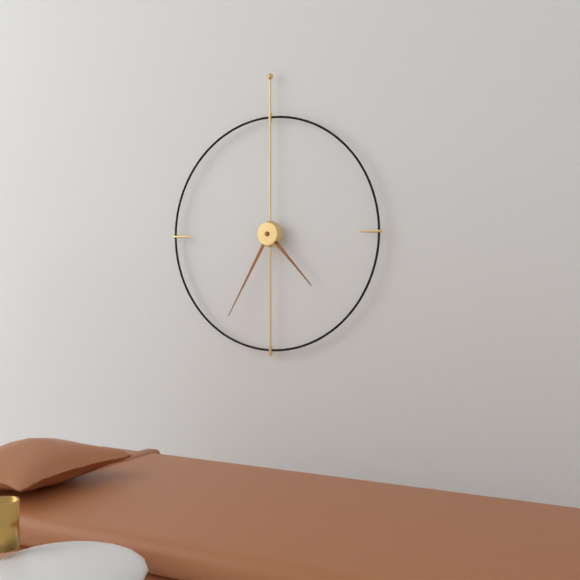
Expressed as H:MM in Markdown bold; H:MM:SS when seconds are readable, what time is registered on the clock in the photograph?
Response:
**4:35**
